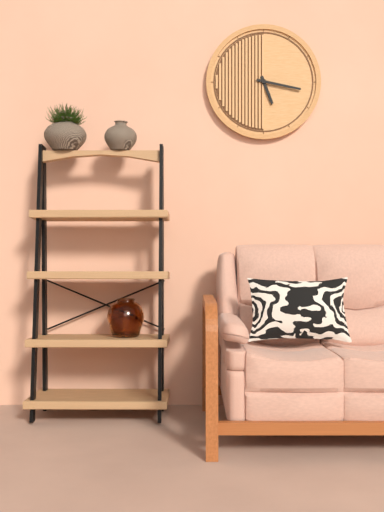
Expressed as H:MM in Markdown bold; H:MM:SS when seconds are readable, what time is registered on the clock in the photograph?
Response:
**5:17**
